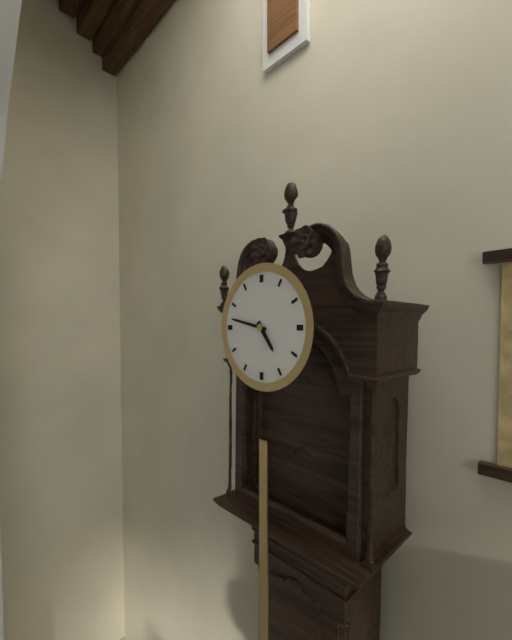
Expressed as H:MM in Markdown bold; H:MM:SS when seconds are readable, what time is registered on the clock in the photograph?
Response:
**4:47**
